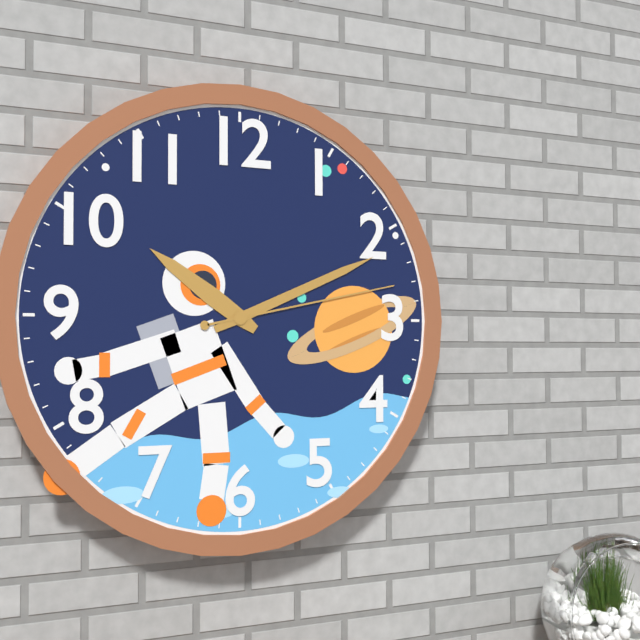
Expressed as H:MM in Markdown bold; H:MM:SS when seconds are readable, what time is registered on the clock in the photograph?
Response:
**10:11:13**
